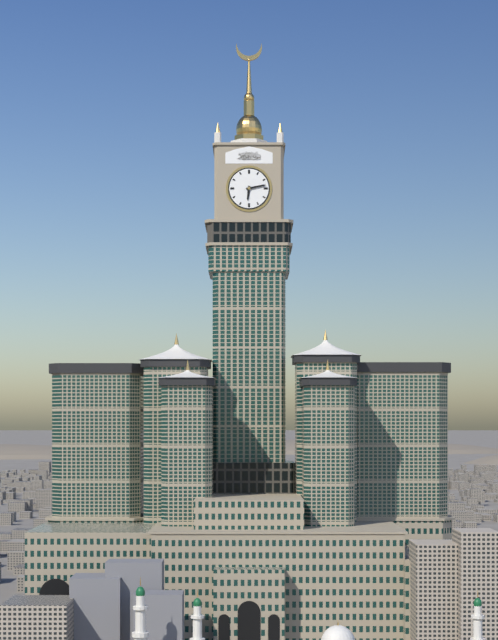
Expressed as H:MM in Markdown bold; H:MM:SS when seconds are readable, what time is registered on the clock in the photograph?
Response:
**6:13**
